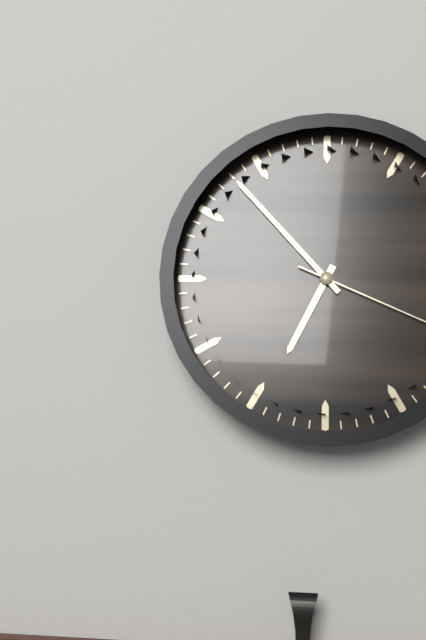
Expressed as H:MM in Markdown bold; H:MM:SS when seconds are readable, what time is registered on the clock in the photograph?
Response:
**6:53**
